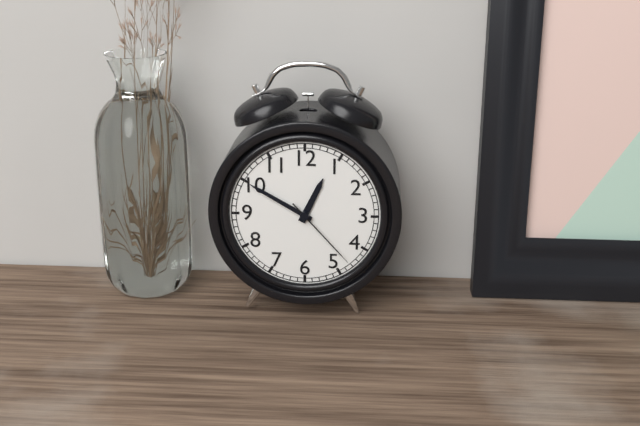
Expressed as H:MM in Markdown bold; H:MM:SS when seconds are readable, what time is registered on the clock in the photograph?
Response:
**12:50:23**
